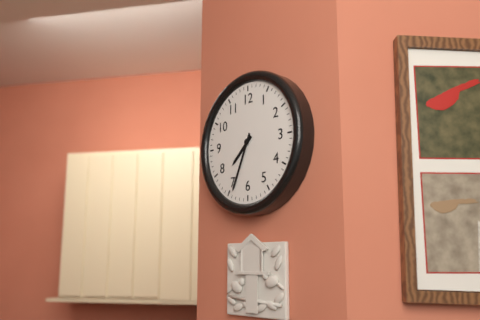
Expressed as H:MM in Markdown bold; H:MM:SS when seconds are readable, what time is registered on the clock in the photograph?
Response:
**7:34**
